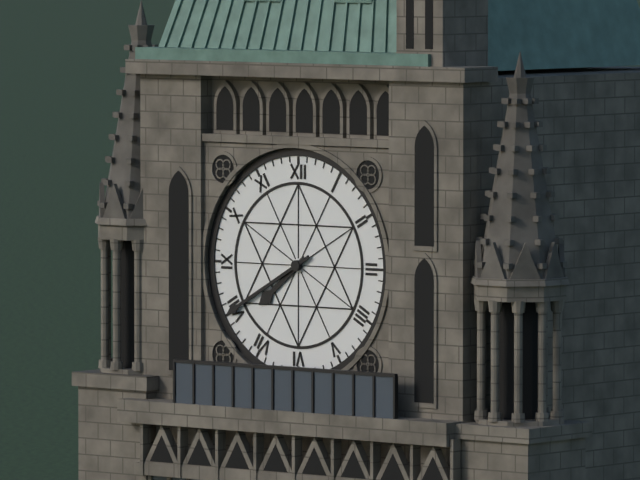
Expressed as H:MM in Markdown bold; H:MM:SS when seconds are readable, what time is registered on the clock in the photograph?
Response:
**7:40**
